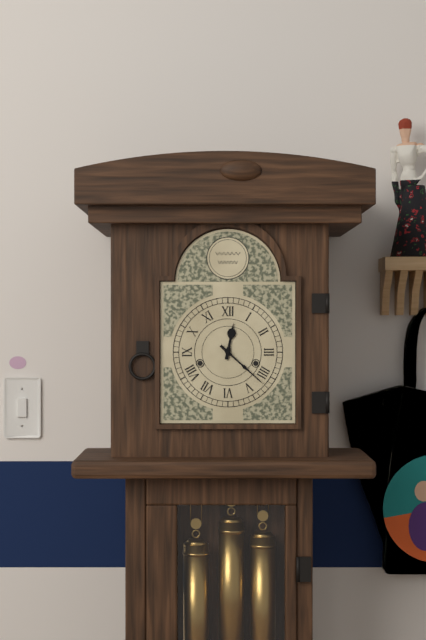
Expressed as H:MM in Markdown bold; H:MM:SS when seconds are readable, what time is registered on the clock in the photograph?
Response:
**12:22**
